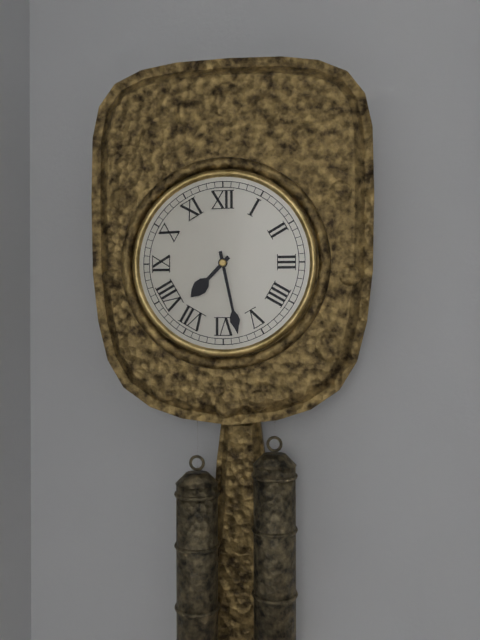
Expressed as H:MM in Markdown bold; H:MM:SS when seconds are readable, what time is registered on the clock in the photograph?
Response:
**7:28**
